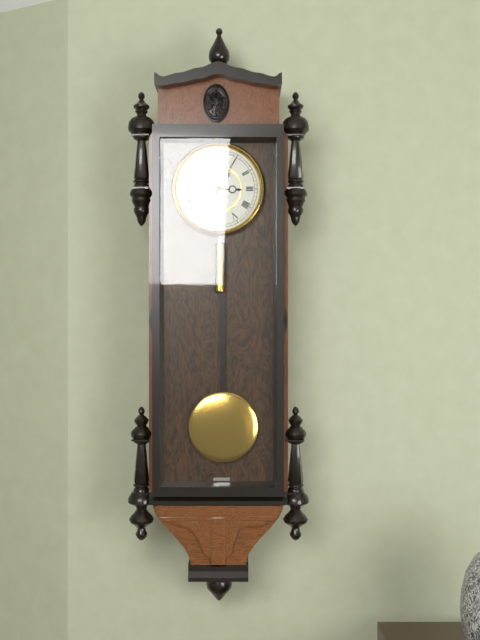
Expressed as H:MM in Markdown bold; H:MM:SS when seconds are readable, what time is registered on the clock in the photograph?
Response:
**3:05**
